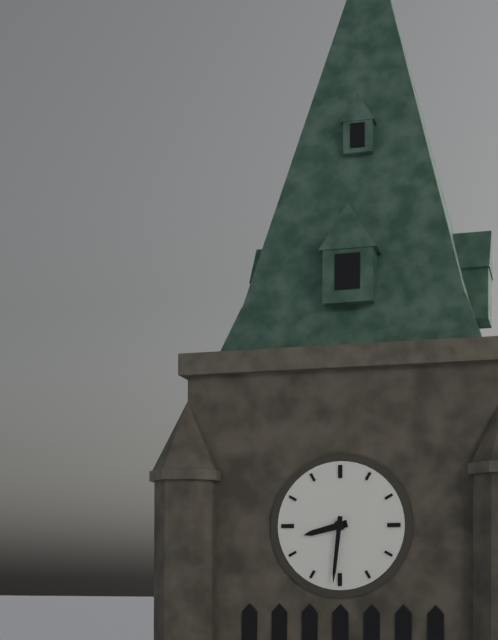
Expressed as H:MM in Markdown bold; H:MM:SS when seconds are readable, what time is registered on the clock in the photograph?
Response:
**8:31**
